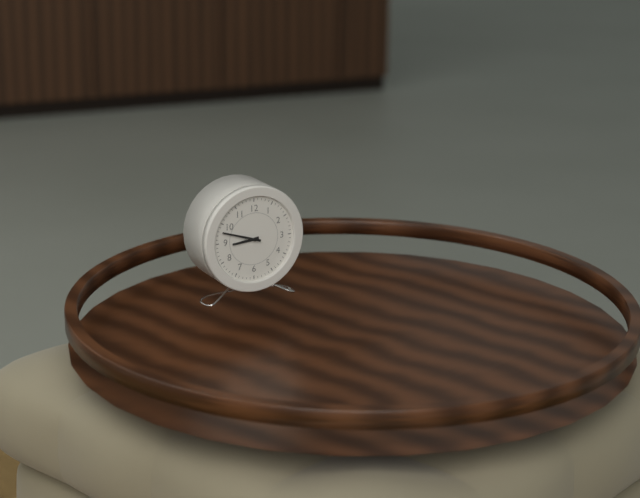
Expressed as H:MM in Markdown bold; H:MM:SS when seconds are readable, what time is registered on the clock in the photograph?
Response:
**8:48**
